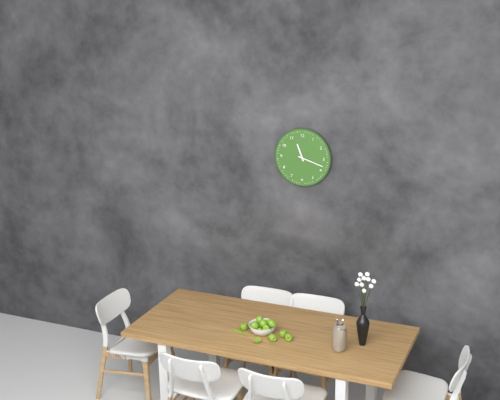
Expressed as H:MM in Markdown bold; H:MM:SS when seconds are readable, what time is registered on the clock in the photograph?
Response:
**11:18**
